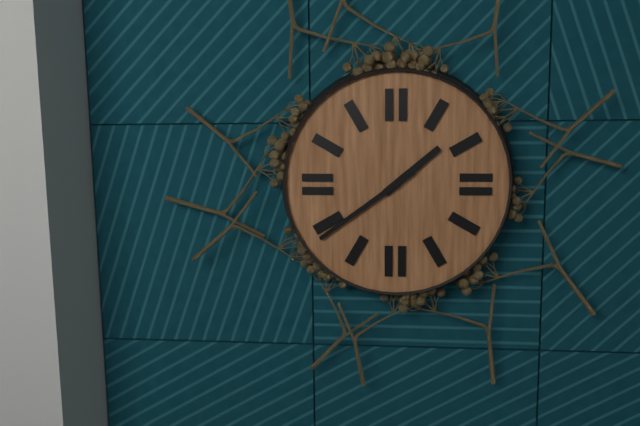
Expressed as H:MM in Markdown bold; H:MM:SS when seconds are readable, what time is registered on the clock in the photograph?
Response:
**1:39**
